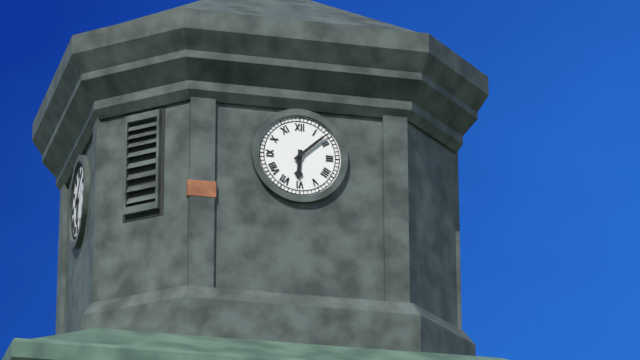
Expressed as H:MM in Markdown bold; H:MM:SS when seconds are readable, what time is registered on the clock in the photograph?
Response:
**6:08**
